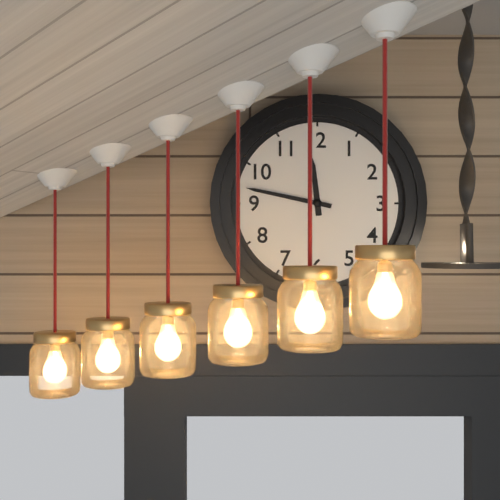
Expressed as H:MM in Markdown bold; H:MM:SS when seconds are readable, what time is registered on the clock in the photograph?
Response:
**11:47**
